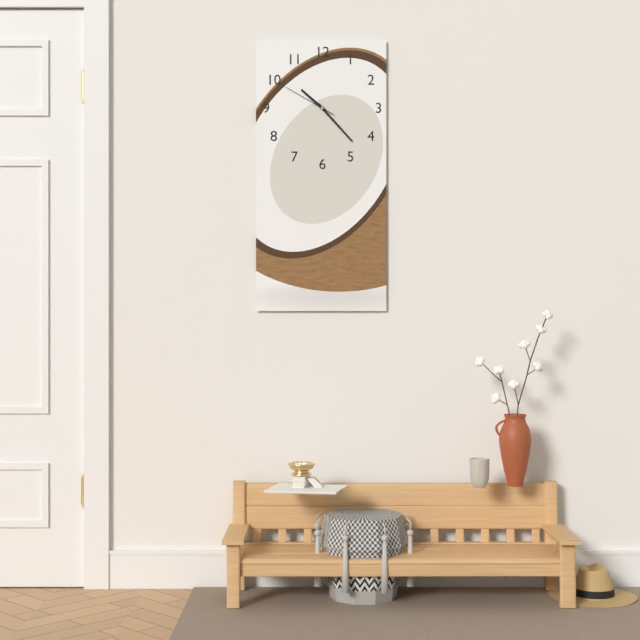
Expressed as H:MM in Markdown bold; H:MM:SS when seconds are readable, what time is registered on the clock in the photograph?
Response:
**10:23:50**
